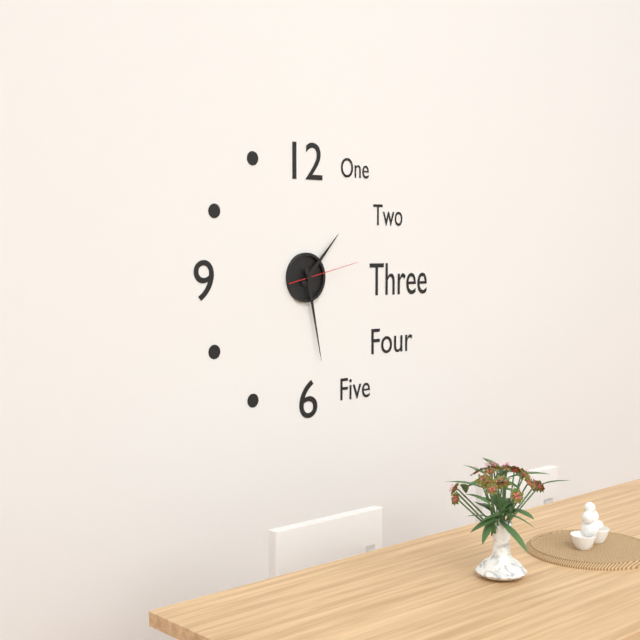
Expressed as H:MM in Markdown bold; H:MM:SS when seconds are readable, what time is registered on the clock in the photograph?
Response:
**1:28:13**
